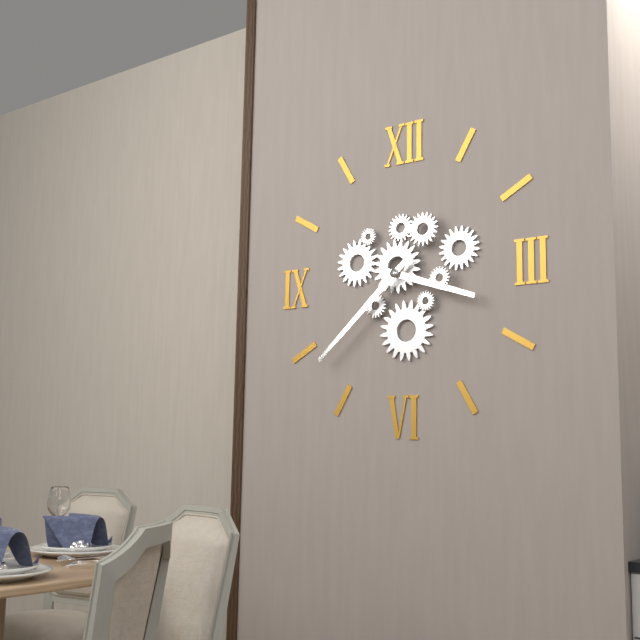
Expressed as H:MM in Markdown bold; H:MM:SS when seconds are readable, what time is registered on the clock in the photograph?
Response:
**3:38**
